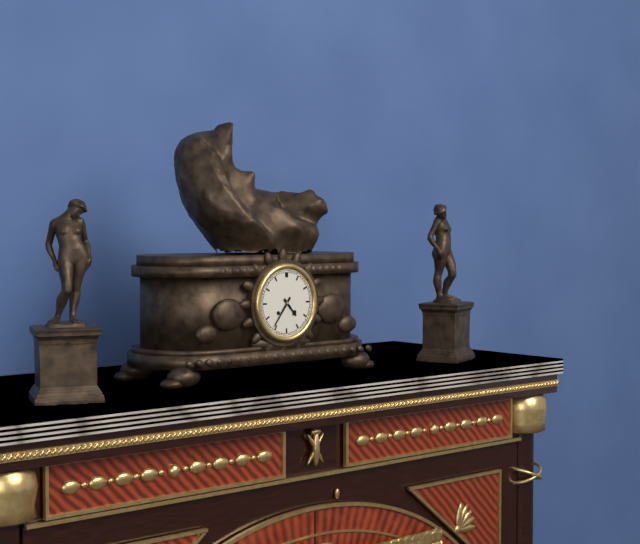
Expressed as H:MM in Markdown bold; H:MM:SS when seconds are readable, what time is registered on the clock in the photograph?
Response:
**4:36**
